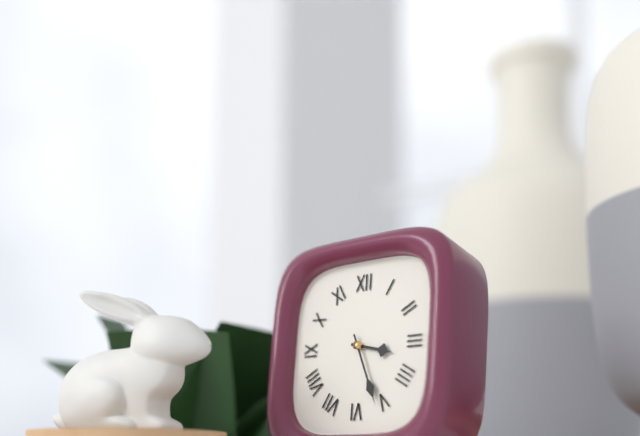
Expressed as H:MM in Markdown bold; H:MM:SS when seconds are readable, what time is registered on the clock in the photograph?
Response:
**3:26**
